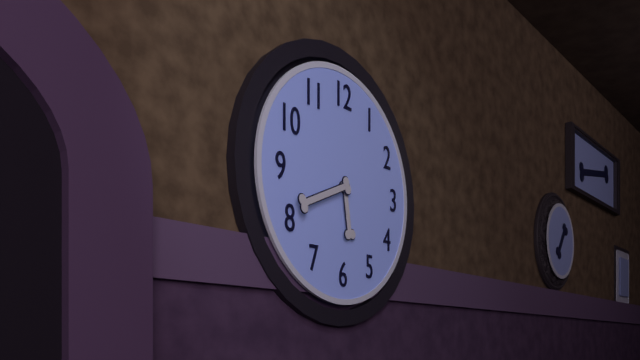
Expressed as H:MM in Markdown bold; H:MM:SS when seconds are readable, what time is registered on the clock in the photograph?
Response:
**5:41**
